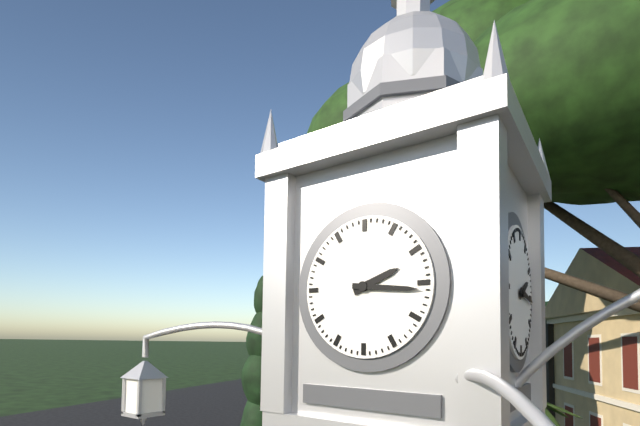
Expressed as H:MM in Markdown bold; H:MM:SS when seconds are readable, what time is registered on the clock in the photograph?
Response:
**2:16**
